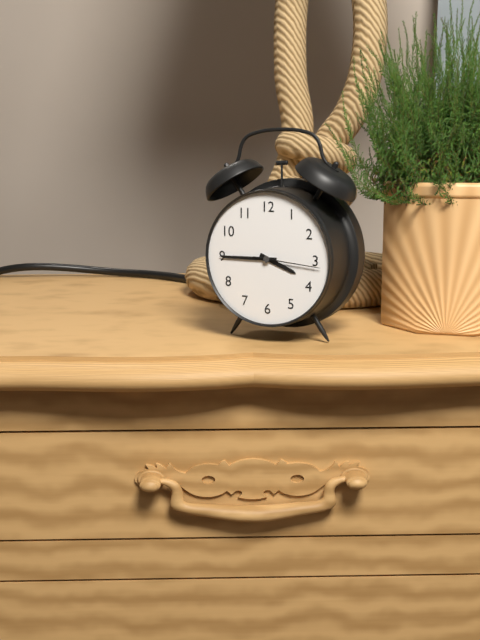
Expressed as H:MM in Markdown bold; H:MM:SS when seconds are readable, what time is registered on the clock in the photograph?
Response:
**3:45:16**
